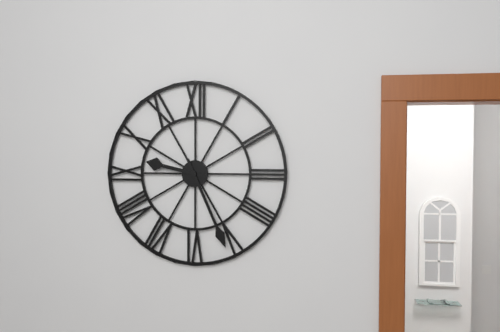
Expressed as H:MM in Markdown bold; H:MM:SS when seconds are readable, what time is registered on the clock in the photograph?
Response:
**9:26**
